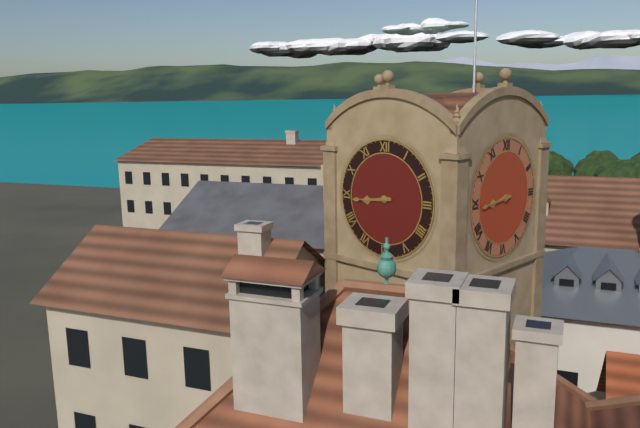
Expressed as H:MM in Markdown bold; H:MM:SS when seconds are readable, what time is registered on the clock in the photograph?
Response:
**8:44**
